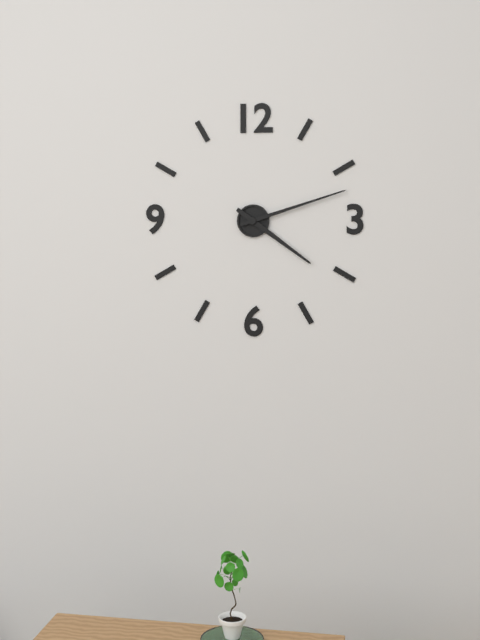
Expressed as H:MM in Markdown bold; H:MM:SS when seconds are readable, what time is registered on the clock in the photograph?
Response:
**4:12**
